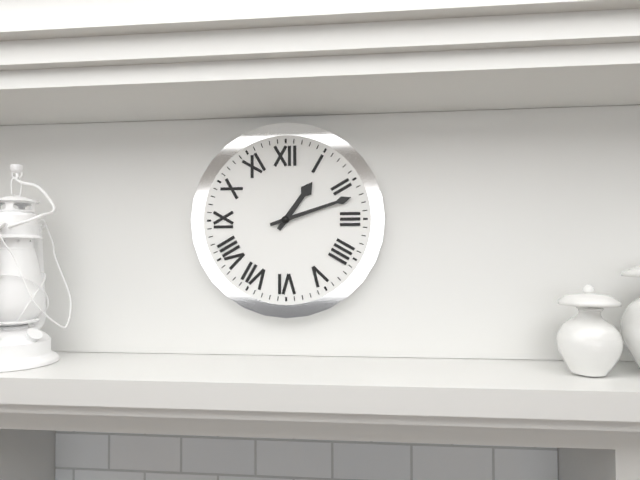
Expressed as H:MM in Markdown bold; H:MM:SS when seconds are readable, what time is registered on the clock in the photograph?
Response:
**1:12**
